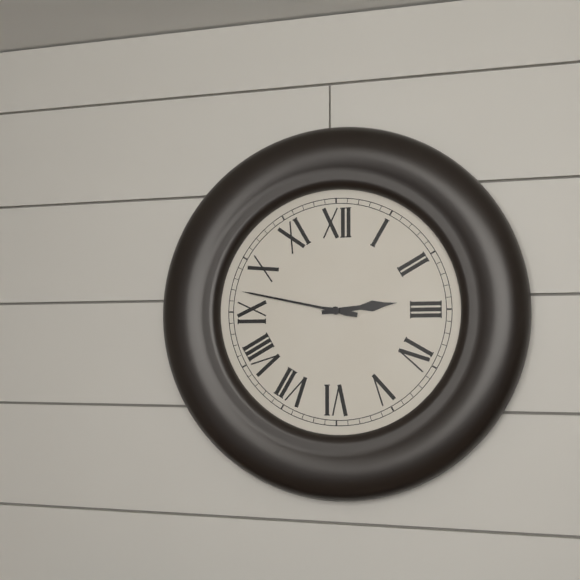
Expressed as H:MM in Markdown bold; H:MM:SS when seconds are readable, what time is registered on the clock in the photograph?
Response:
**2:47**
